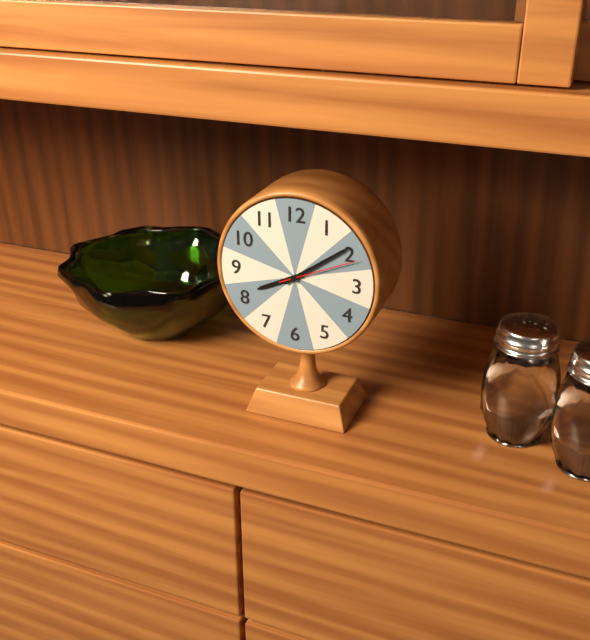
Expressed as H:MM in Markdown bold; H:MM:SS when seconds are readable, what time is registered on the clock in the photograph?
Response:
**8:09:11**
